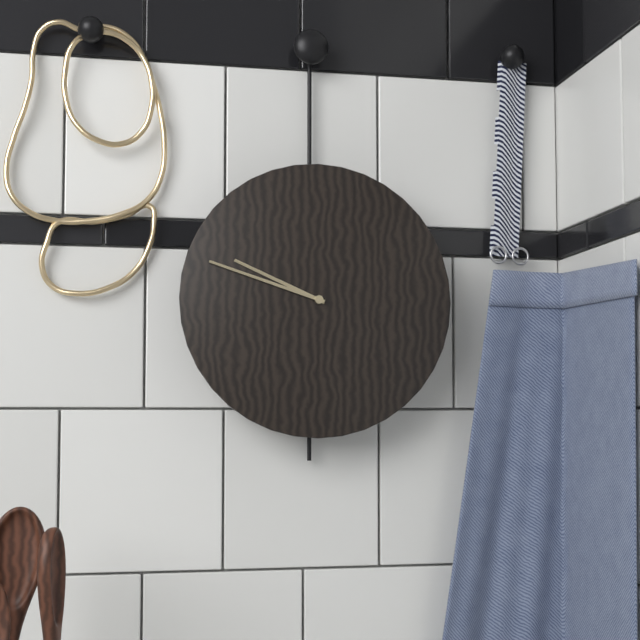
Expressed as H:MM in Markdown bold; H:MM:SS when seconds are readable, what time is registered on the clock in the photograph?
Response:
**9:48**
